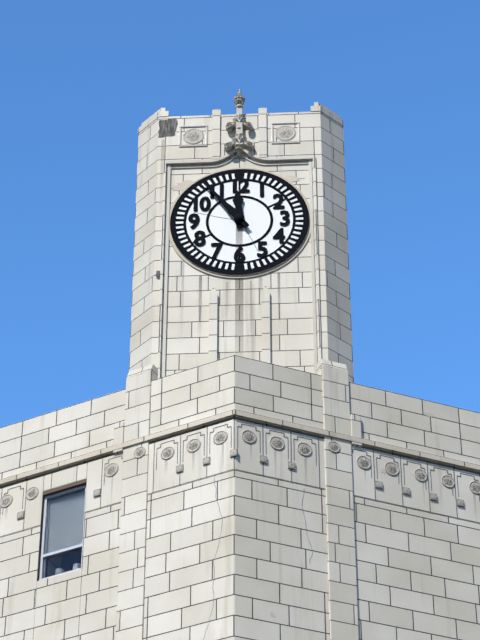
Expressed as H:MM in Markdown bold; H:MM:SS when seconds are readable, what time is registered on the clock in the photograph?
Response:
**11:54**
